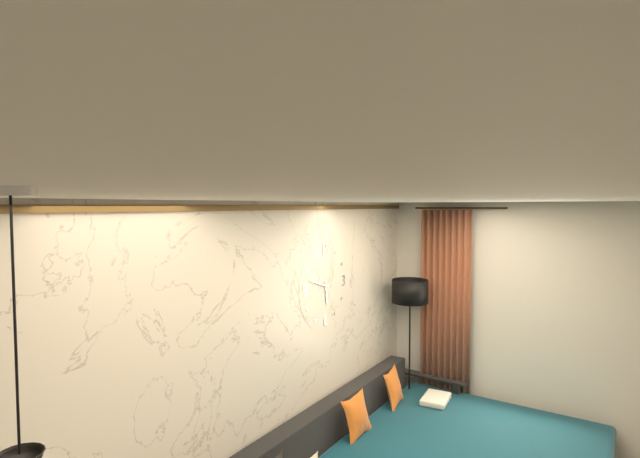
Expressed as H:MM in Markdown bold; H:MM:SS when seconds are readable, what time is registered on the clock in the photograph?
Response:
**5:48**
